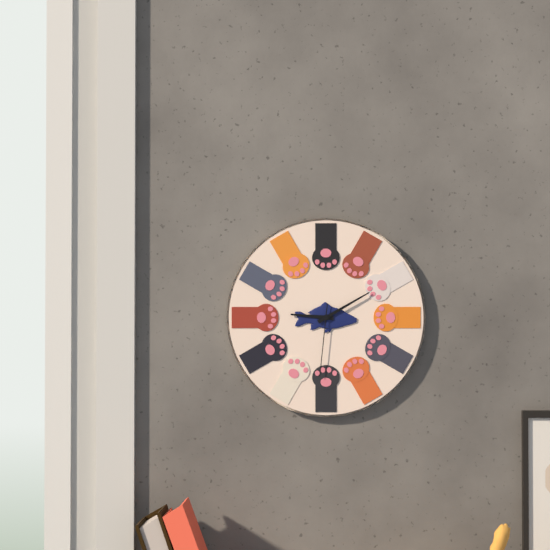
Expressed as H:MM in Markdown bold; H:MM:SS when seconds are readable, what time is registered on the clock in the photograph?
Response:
**9:10:31**
